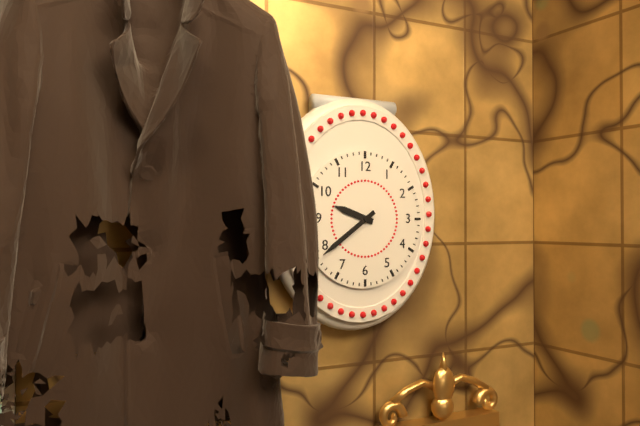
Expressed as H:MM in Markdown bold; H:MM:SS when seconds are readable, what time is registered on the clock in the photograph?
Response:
**9:39**
